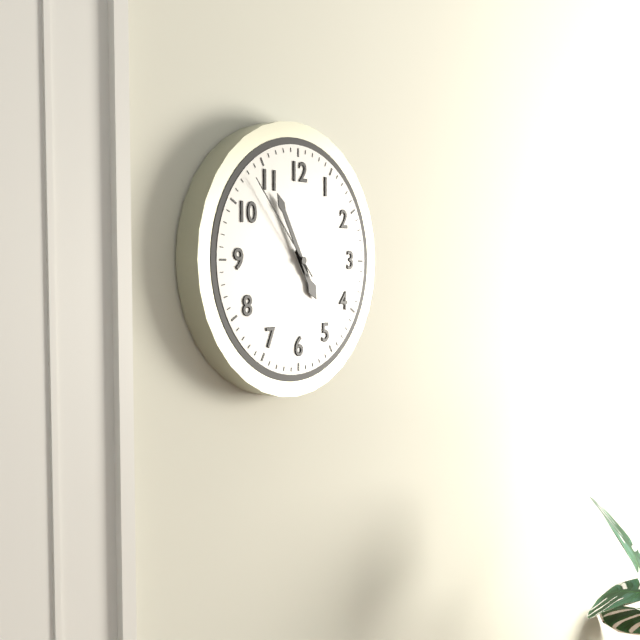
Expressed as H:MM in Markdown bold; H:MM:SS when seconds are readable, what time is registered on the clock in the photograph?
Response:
**4:55:53**
